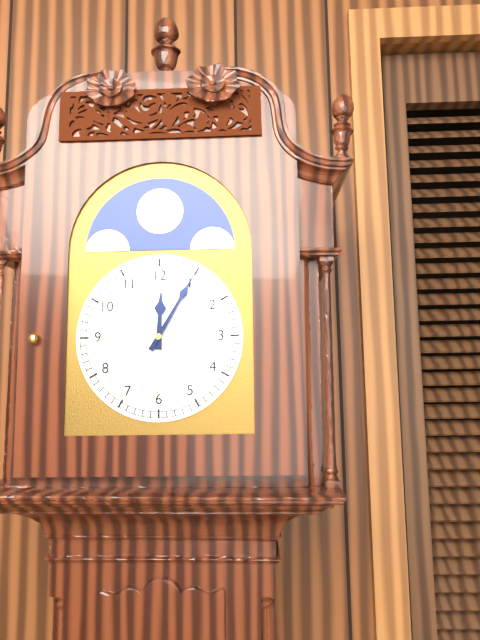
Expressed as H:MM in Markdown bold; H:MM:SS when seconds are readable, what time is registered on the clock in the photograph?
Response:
**12:05**
